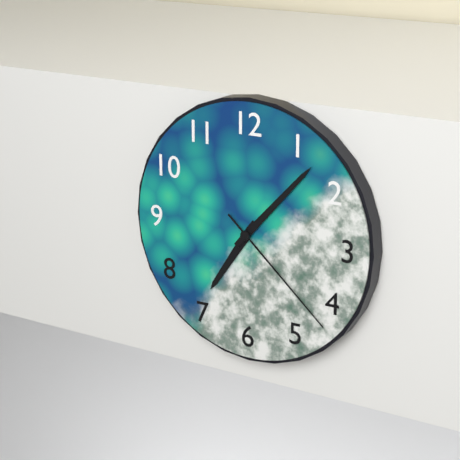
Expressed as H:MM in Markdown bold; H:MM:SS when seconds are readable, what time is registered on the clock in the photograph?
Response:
**7:07:22**
